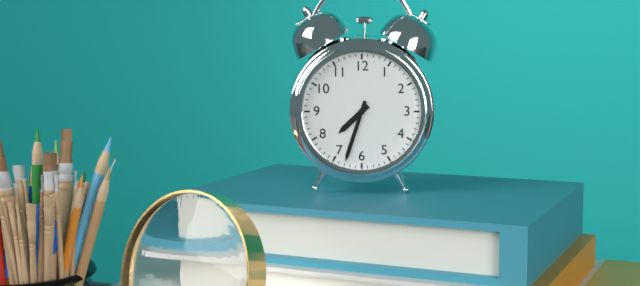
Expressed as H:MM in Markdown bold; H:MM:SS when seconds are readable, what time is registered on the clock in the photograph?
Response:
**7:33**
